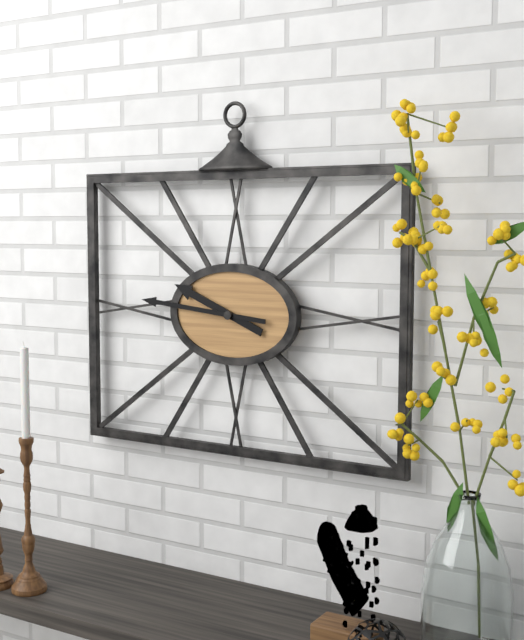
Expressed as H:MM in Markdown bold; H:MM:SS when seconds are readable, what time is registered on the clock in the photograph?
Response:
**9:46**
